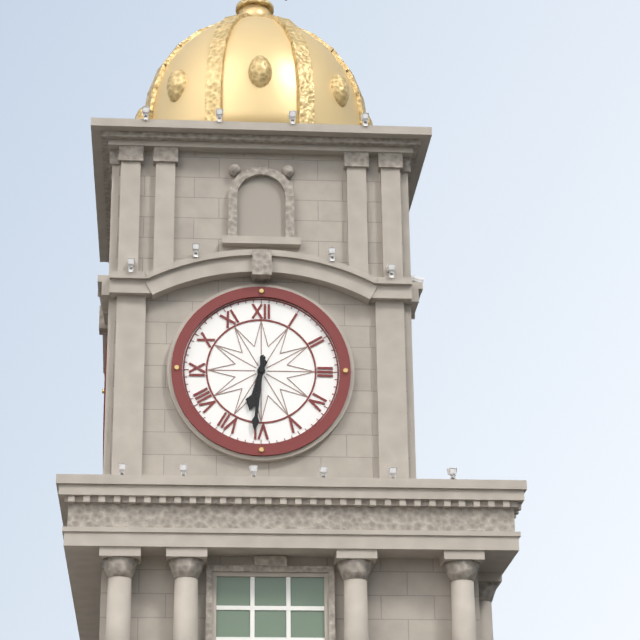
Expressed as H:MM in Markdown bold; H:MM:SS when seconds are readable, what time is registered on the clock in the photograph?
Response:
**6:31**
